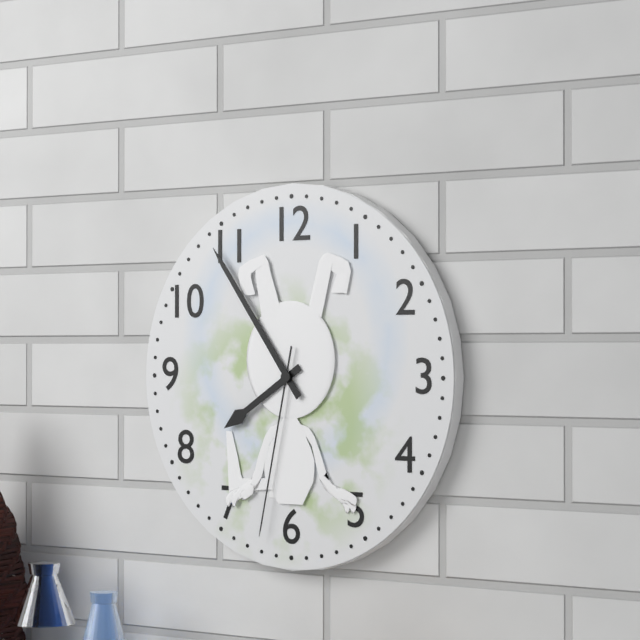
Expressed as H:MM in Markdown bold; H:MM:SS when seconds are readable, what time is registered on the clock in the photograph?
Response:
**7:54:32**
